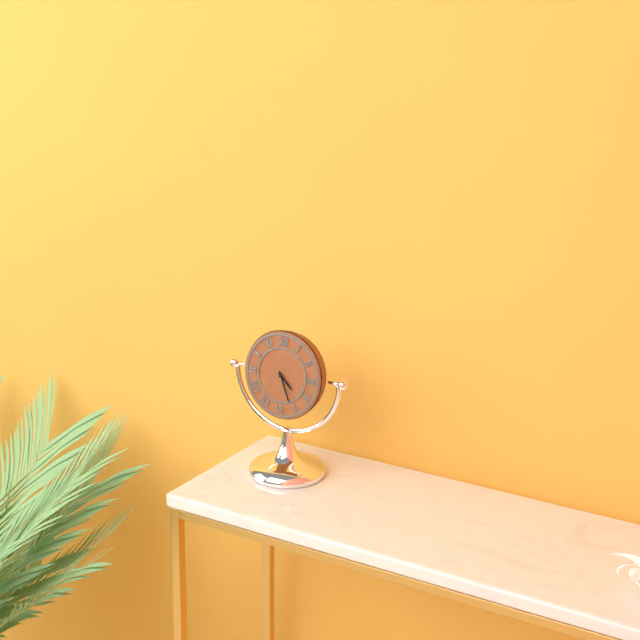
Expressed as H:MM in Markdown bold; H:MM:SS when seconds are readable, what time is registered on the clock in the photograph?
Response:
**4:26**
